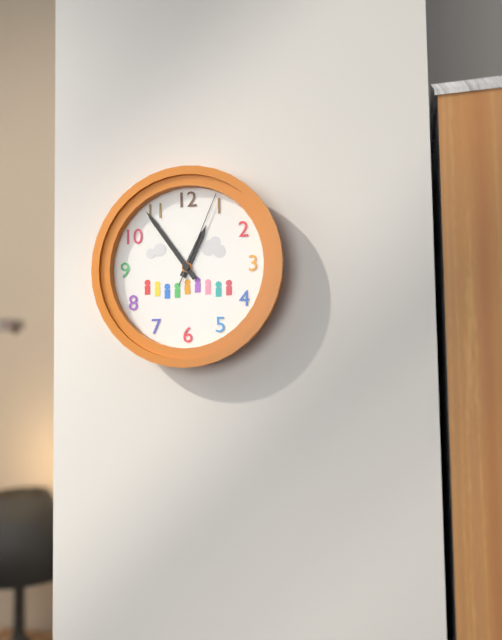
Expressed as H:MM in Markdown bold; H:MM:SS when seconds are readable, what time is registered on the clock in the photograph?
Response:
**12:54:04**
